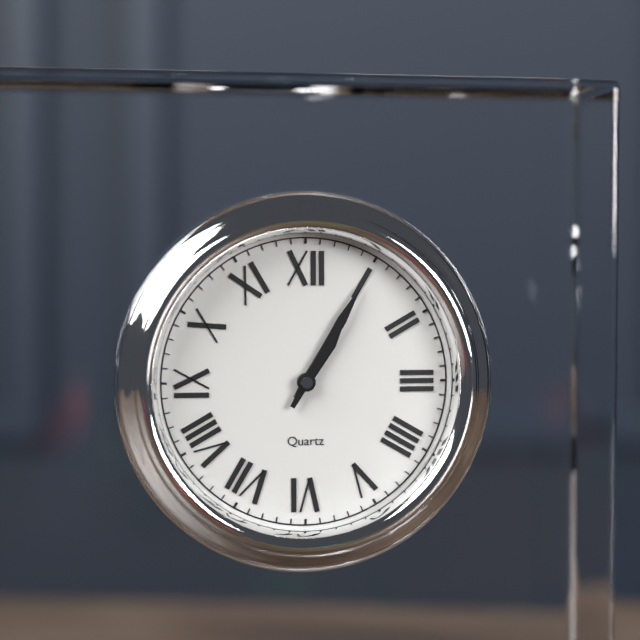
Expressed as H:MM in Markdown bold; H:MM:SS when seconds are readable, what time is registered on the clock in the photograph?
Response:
**1:05**
